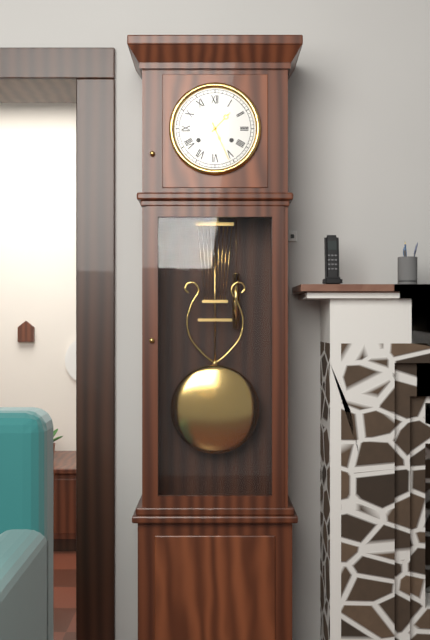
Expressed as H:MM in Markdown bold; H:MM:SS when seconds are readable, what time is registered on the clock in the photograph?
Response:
**1:26**
